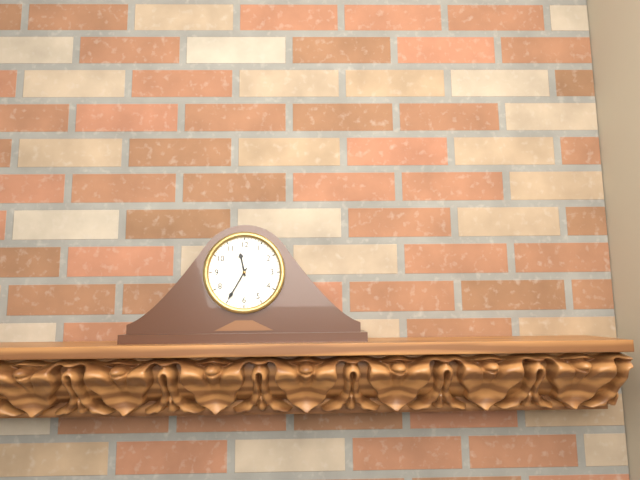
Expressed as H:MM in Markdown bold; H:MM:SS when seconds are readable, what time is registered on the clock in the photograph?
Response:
**11:35**
